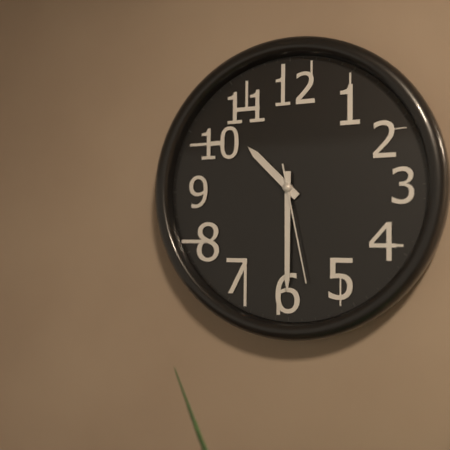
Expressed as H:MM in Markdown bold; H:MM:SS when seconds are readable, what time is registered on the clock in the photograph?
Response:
**10:30:28**
